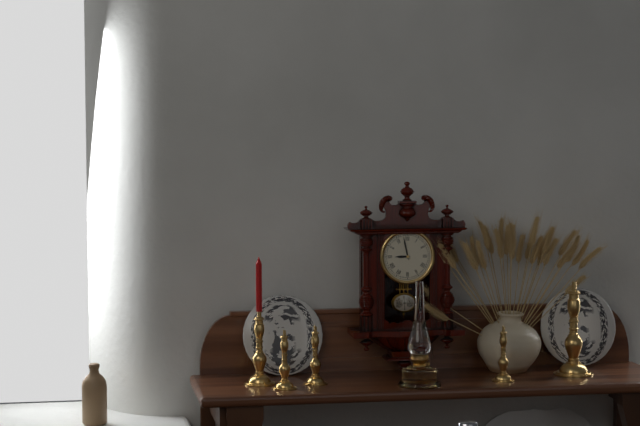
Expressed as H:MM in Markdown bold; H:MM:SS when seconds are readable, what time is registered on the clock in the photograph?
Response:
**8:58**
